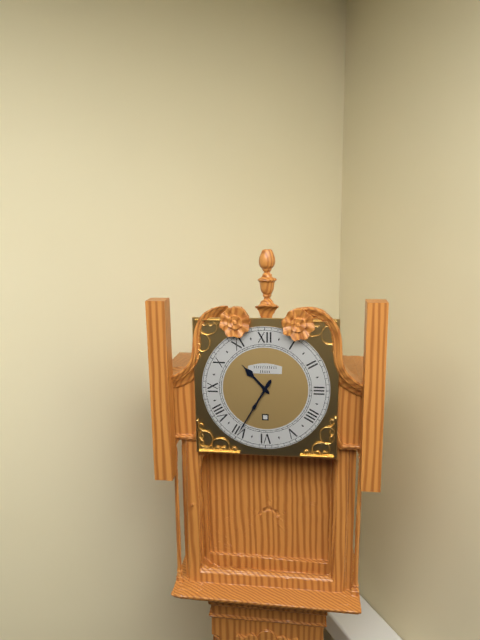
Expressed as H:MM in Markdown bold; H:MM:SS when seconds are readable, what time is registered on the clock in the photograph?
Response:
**10:35**
